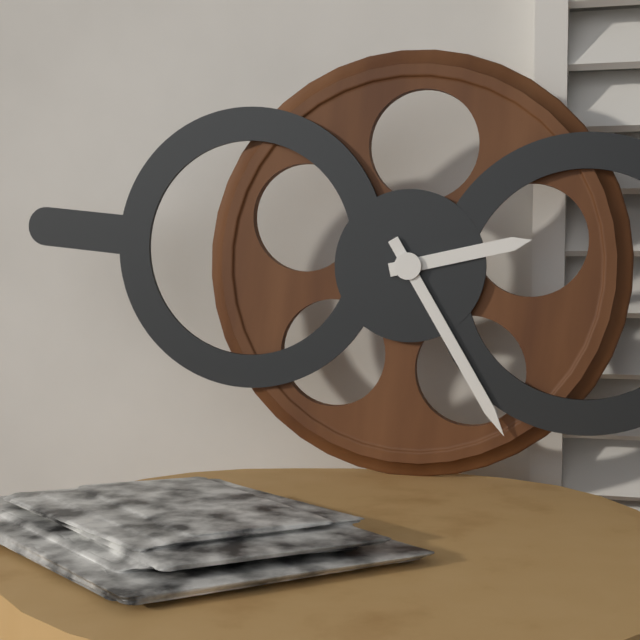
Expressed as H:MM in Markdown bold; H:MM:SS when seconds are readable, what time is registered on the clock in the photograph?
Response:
**2:24**
